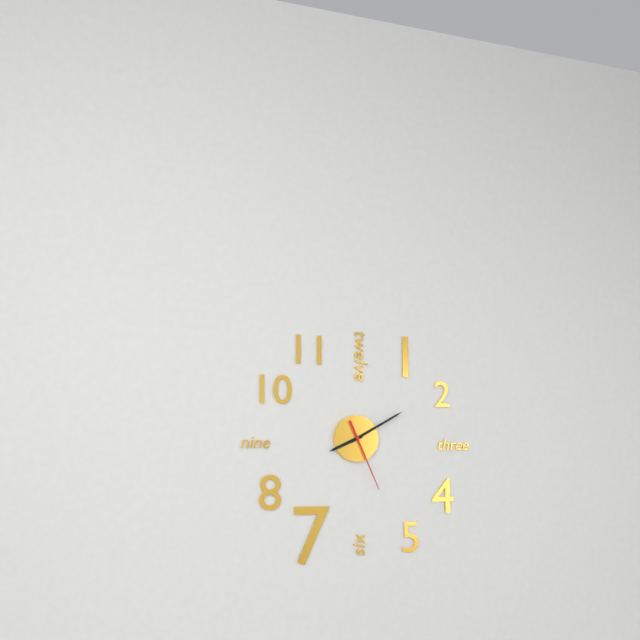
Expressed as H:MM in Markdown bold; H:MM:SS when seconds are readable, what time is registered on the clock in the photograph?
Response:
**8:10:26**
